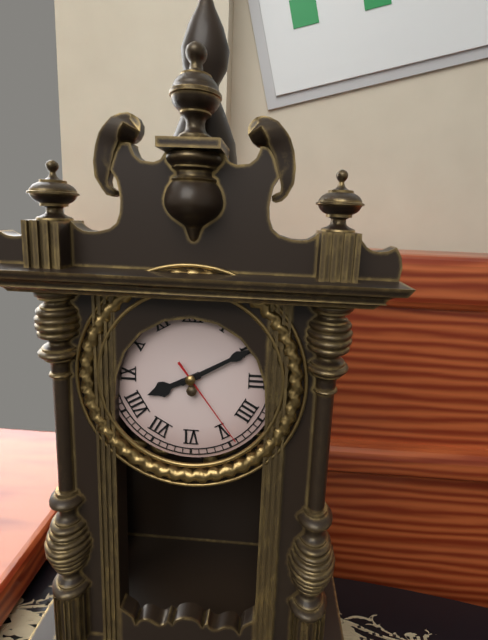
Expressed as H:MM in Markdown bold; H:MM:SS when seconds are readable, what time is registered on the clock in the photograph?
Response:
**8:10:24**
